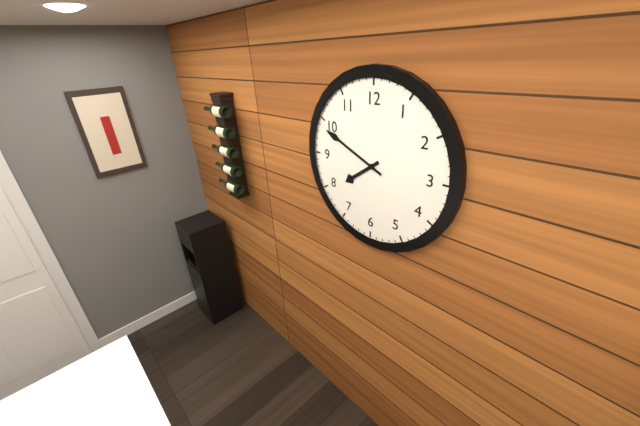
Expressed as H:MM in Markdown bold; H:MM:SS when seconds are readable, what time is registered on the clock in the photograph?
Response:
**7:49**
